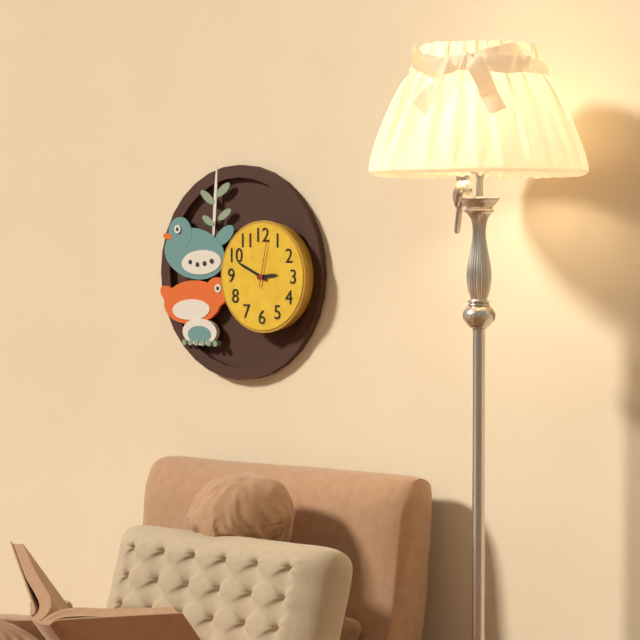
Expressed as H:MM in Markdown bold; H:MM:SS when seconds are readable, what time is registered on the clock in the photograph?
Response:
**2:49**
